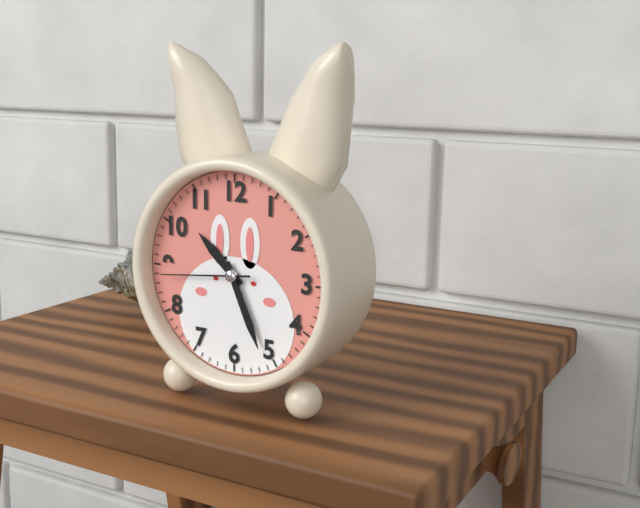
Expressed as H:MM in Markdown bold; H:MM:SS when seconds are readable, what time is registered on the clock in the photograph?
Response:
**10:26:44**
